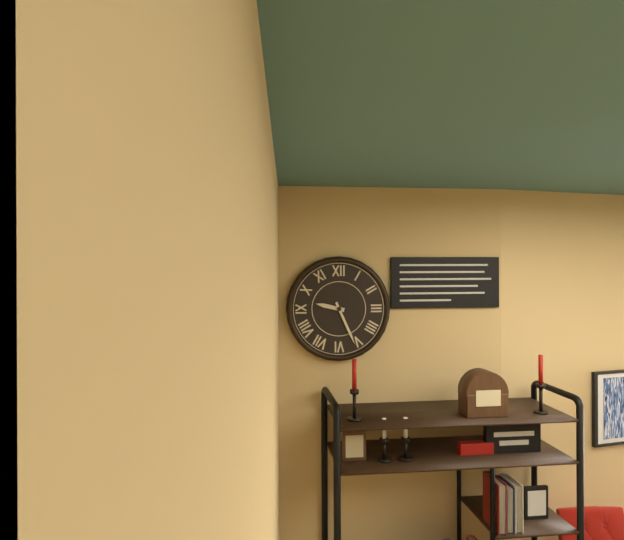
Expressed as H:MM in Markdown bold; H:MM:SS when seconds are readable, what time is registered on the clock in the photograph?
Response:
**9:26**
